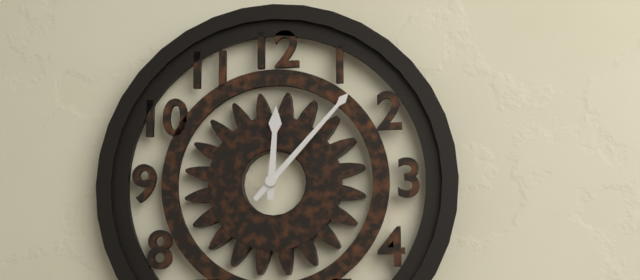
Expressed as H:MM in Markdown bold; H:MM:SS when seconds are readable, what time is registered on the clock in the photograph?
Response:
**12:07**
